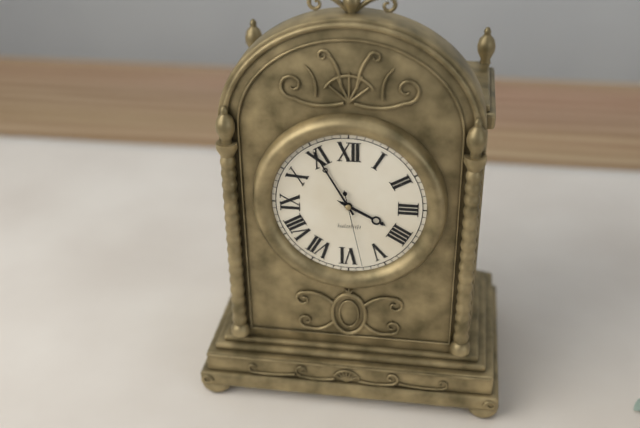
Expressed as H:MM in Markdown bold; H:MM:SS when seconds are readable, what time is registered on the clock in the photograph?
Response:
**3:55:28**
